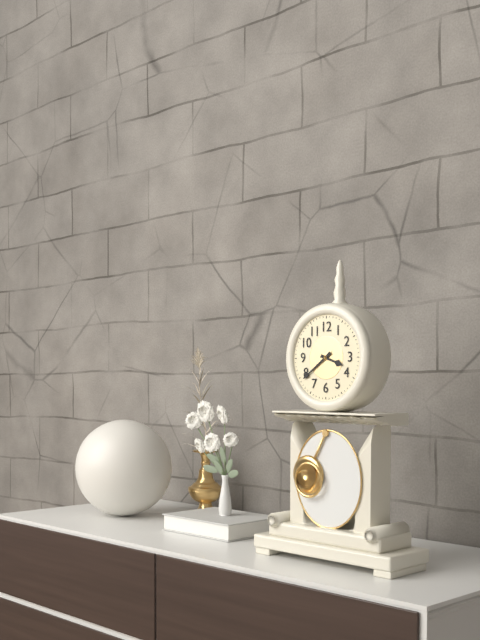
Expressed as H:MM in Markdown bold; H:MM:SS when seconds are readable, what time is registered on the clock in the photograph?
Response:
**3:39**
